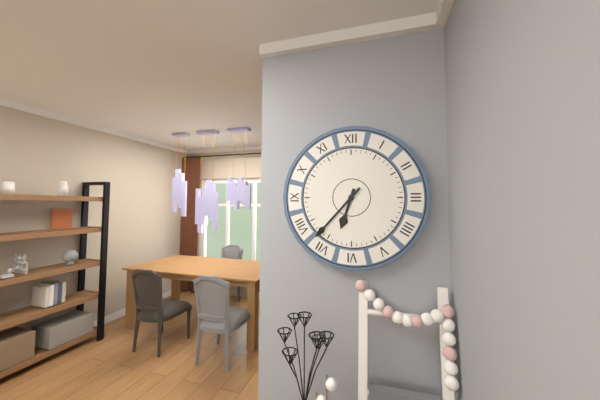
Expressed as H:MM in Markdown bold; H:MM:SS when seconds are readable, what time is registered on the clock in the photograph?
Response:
**6:37**
